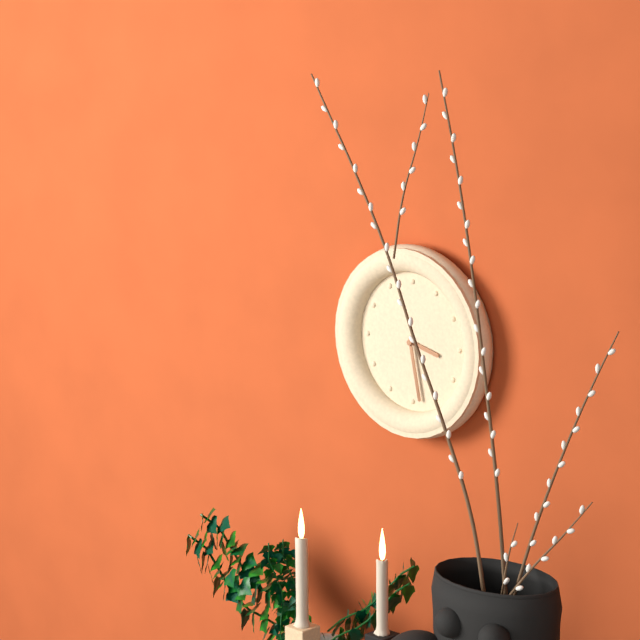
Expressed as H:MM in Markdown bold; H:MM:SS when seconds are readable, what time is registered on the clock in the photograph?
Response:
**3:28**
